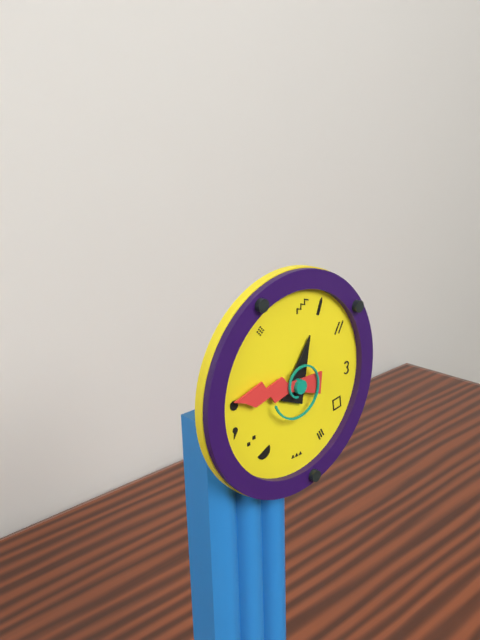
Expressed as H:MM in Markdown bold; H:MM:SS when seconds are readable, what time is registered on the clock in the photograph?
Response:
**12:46**
